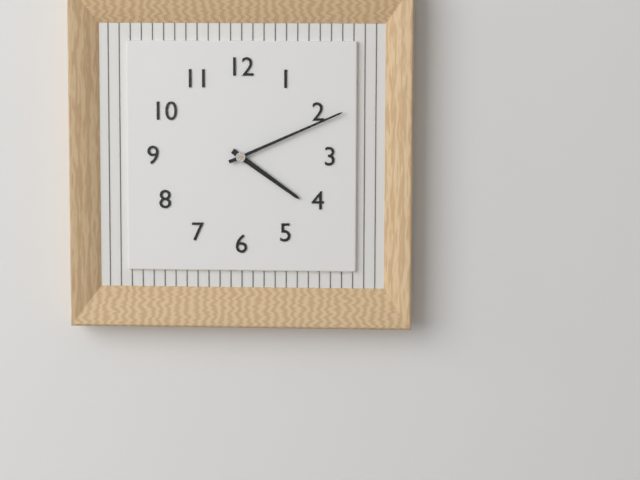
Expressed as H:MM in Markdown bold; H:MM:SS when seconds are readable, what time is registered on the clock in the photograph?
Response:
**4:11**
